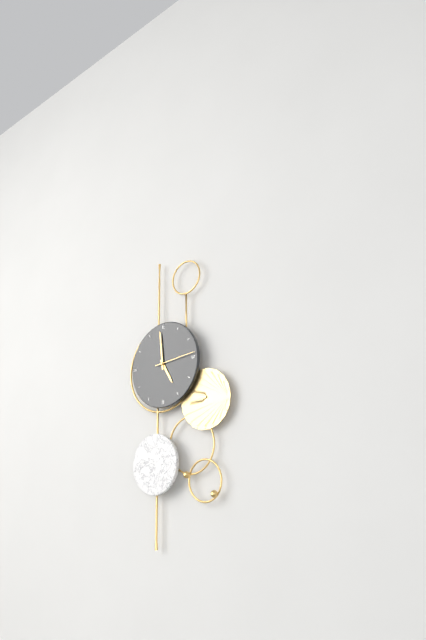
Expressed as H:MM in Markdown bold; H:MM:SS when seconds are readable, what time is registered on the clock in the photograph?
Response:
**4:59**
